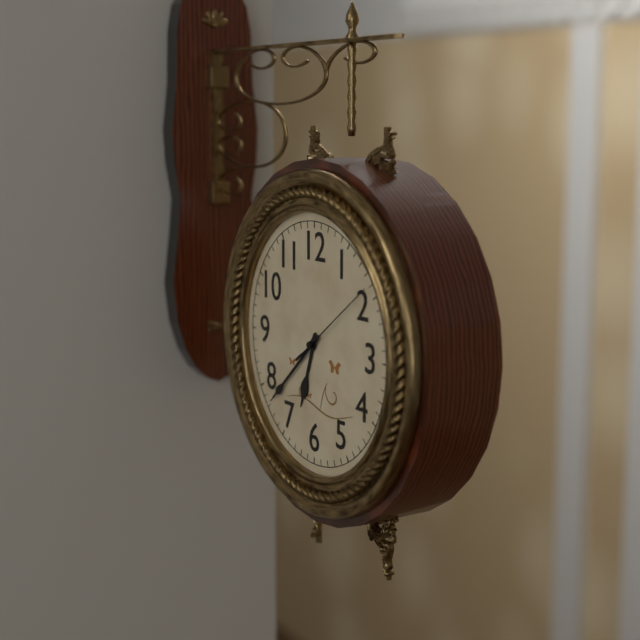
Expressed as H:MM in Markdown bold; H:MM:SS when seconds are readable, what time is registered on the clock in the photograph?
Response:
**6:38:09**
